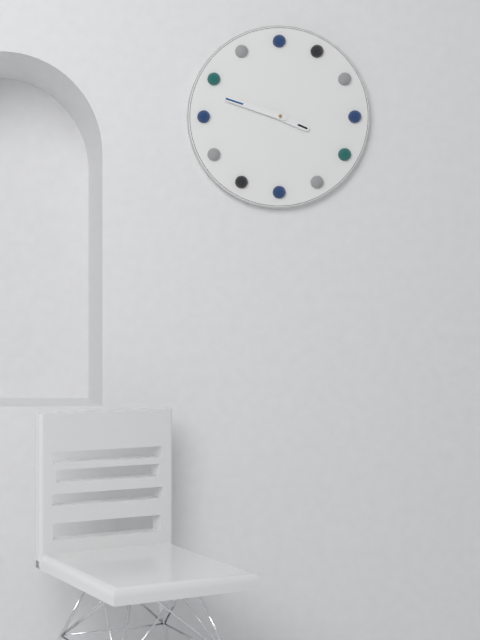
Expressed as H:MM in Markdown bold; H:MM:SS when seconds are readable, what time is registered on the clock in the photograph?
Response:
**3:48**
